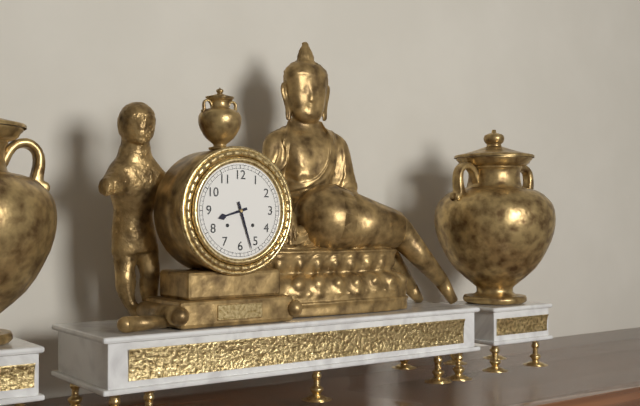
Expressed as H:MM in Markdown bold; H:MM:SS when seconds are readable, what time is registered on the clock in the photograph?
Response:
**8:27**
